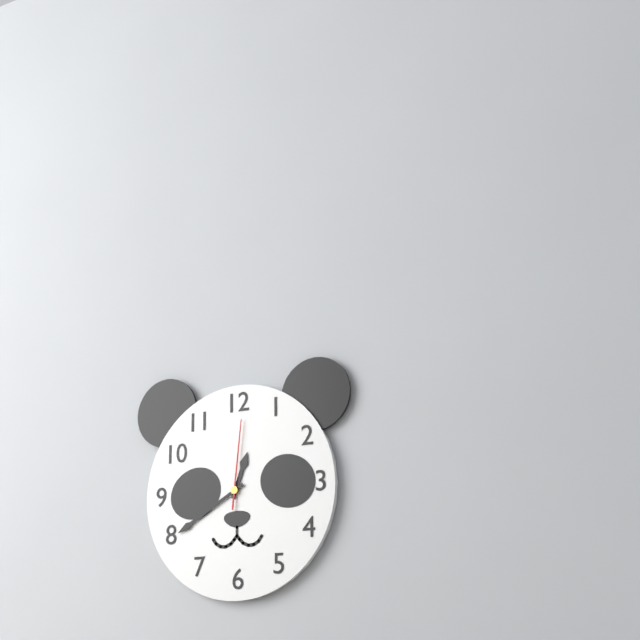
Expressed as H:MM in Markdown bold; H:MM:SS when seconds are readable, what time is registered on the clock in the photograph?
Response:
**12:40:01**
